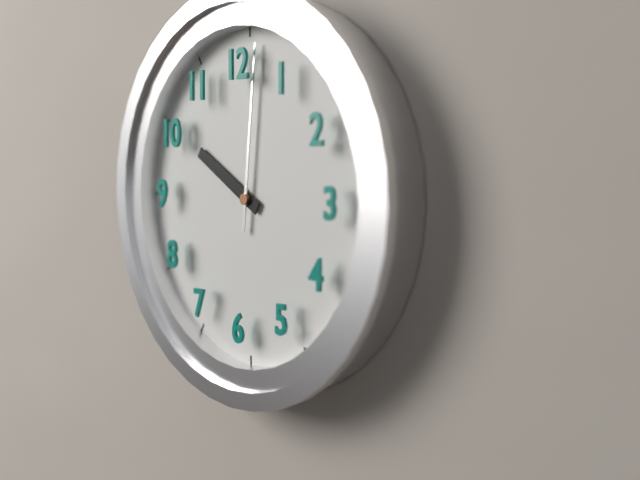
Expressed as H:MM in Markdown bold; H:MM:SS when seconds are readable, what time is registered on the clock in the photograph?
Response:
**10:01**
